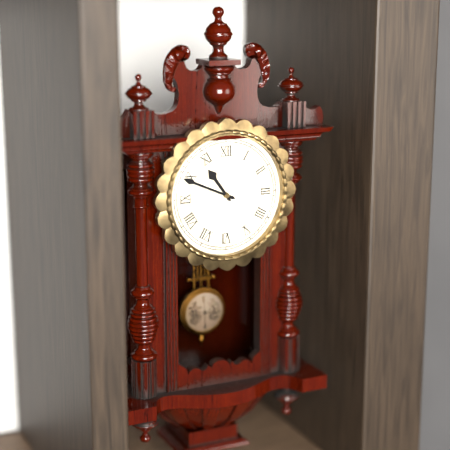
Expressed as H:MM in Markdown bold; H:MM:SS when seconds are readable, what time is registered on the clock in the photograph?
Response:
**10:49**
